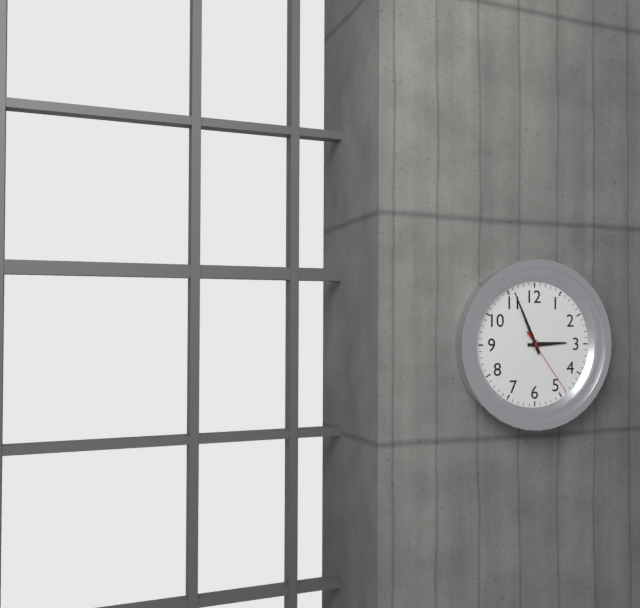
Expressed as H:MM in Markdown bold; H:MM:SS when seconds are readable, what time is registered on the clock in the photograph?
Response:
**2:56:24**
